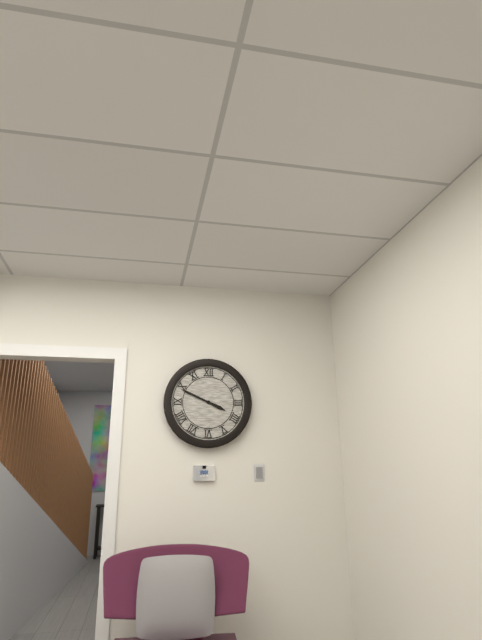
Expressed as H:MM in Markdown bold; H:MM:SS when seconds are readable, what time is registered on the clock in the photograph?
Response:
**3:49**
